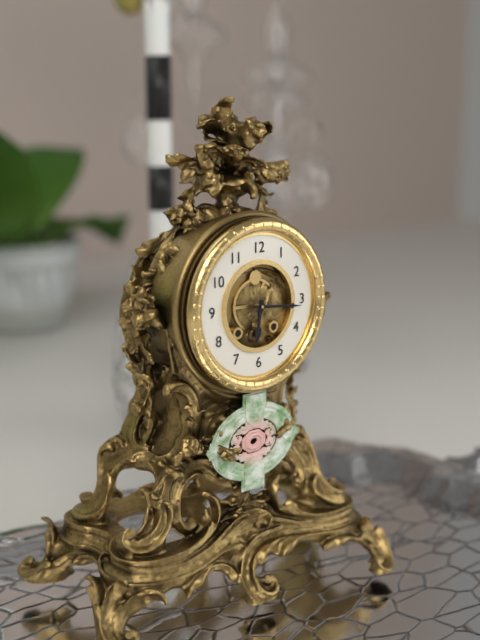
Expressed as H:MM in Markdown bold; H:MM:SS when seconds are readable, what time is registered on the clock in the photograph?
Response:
**6:16**
